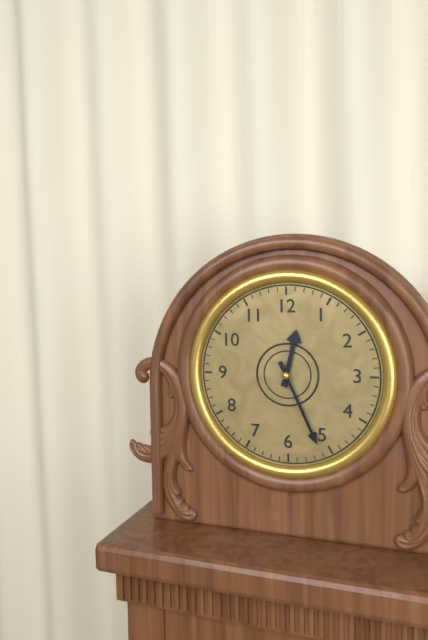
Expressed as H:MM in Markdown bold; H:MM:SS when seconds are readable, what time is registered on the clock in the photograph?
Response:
**12:26**
